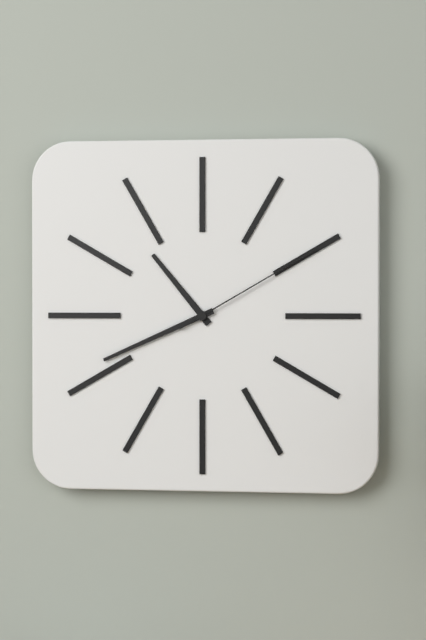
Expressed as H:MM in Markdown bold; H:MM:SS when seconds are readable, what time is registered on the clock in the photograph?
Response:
**10:41:10**
